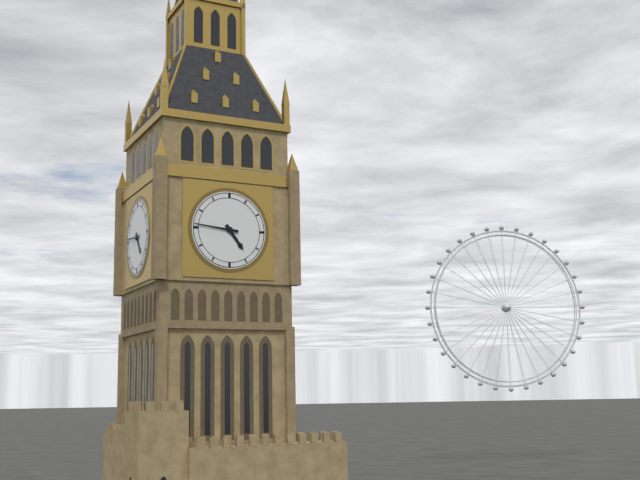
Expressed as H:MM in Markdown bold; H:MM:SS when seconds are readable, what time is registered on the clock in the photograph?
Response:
**4:46**
